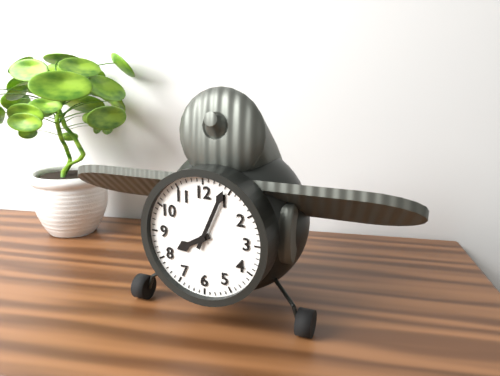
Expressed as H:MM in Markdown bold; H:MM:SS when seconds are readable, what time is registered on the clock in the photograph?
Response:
**8:04**
